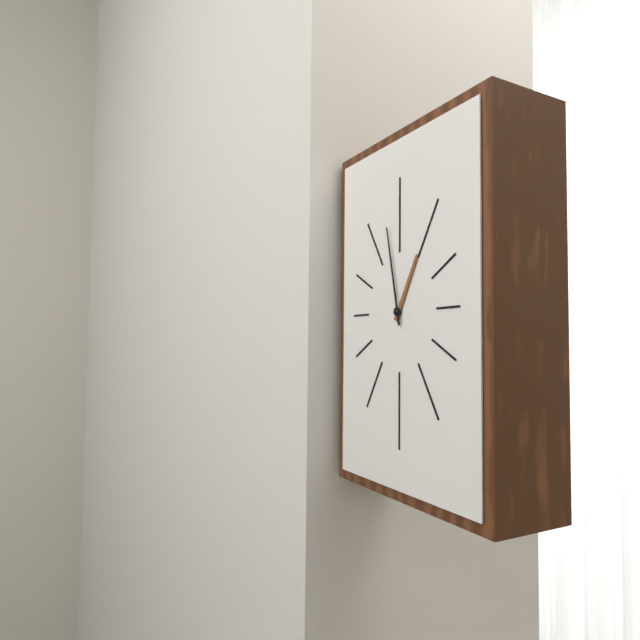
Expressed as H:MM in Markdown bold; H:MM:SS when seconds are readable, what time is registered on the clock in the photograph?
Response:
**12:58**
